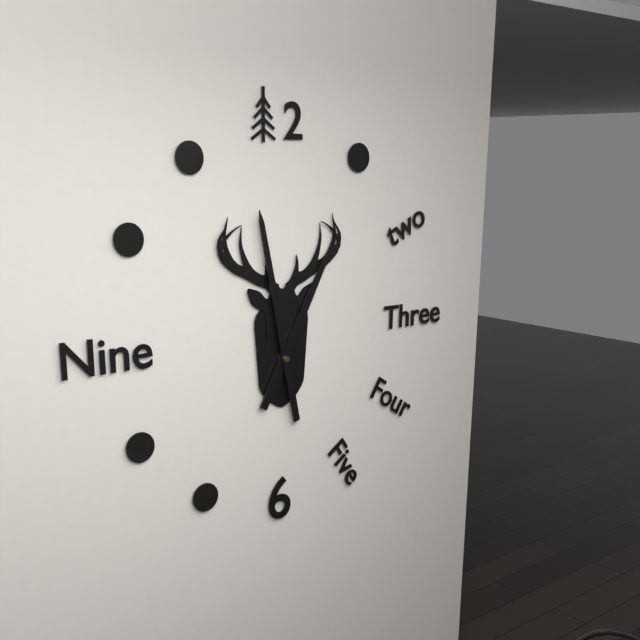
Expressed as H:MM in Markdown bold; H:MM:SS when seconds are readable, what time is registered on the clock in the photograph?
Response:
**12:58**
